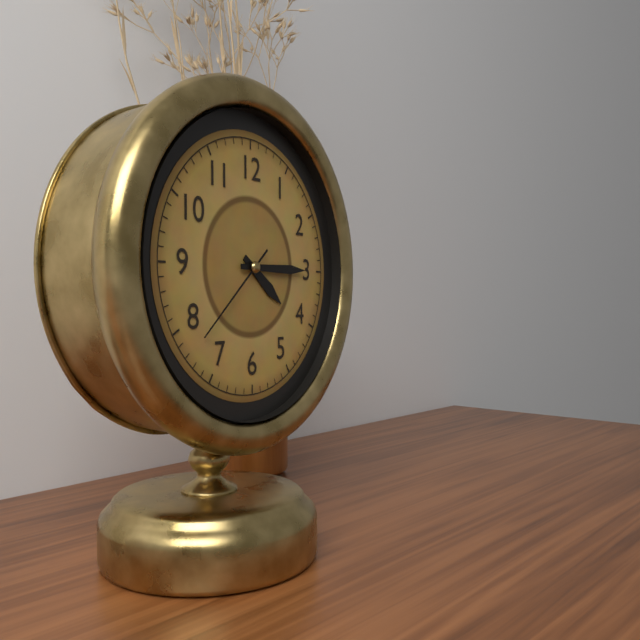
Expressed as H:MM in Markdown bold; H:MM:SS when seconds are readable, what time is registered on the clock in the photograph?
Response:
**4:15:38**
